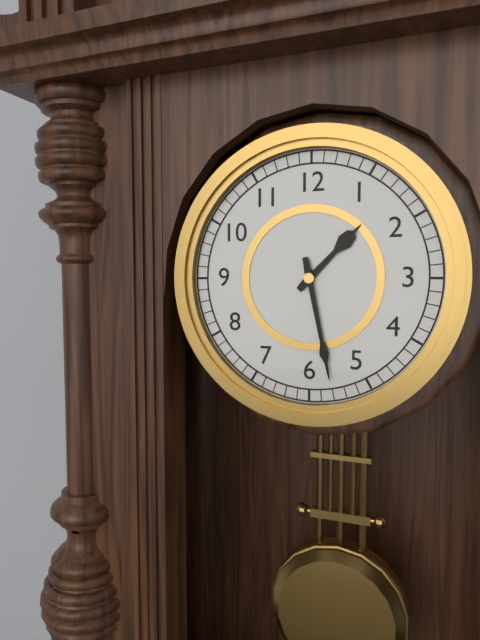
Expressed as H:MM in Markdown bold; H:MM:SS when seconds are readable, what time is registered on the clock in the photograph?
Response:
**1:28**
